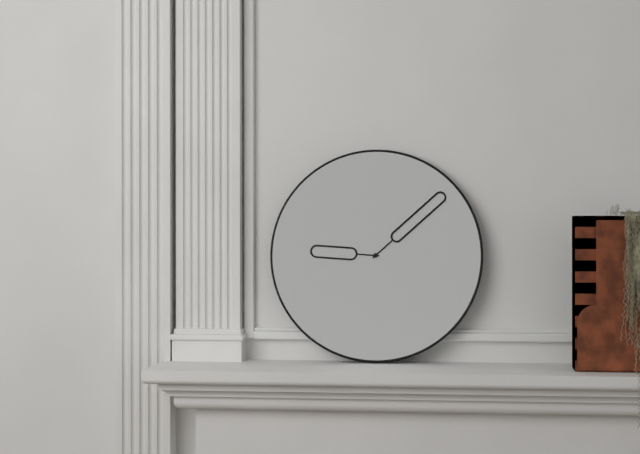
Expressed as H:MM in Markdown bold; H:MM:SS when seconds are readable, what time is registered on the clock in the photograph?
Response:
**9:08**
